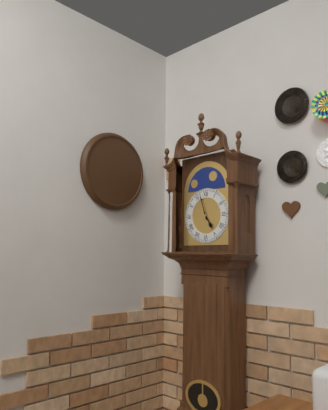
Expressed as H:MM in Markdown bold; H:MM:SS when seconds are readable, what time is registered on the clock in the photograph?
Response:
**4:57**
